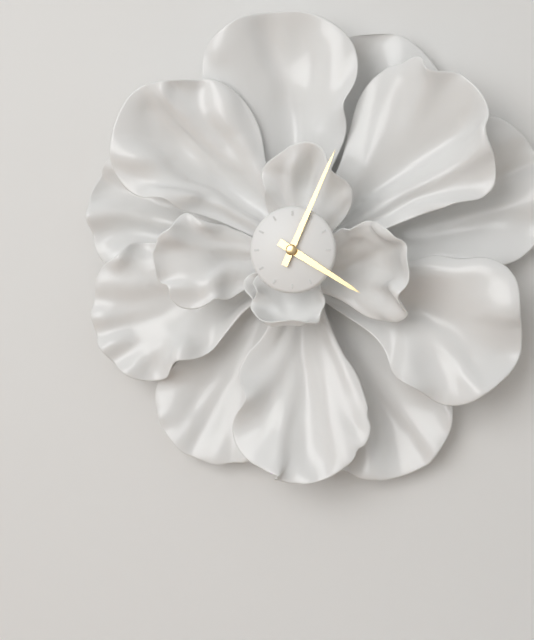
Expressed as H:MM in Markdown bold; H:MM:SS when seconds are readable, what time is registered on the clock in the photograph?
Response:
**4:04**
